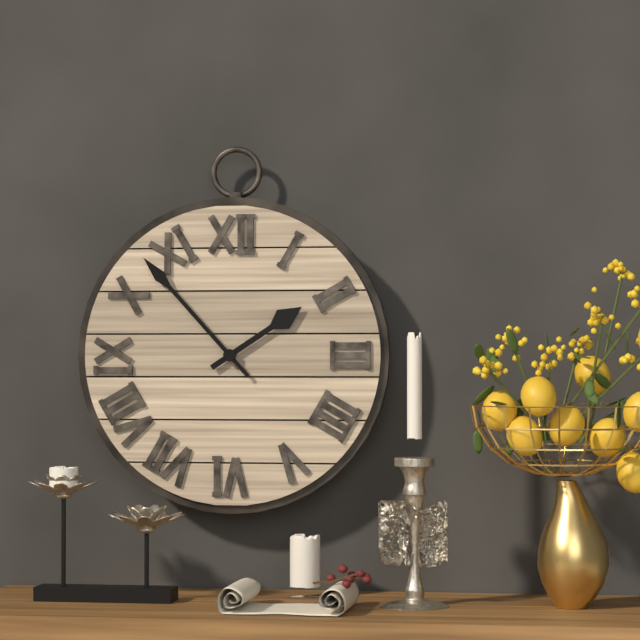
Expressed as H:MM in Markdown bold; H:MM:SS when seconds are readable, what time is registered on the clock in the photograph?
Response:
**1:53**
